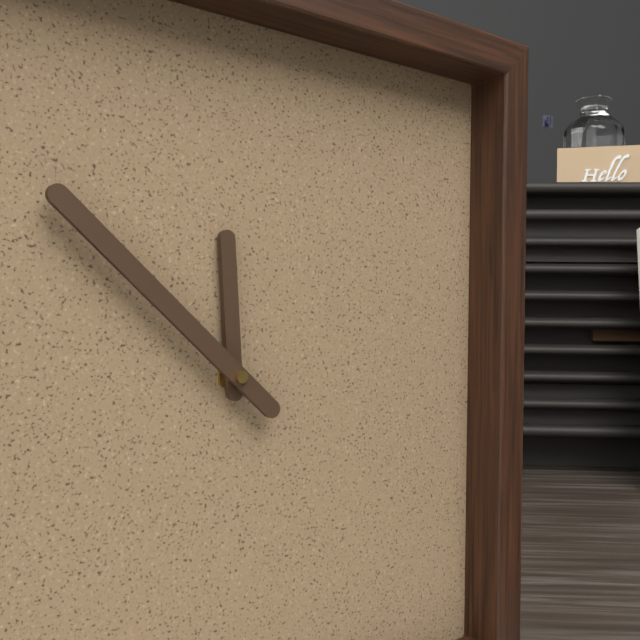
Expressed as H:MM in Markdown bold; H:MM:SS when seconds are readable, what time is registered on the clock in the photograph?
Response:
**11:52**
